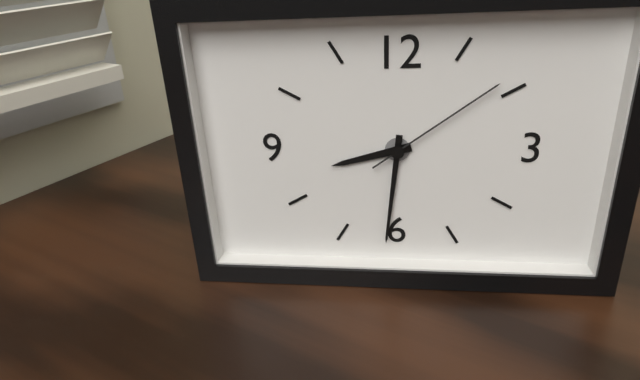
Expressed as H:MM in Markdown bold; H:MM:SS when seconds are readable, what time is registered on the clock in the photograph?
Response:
**8:31:09**
